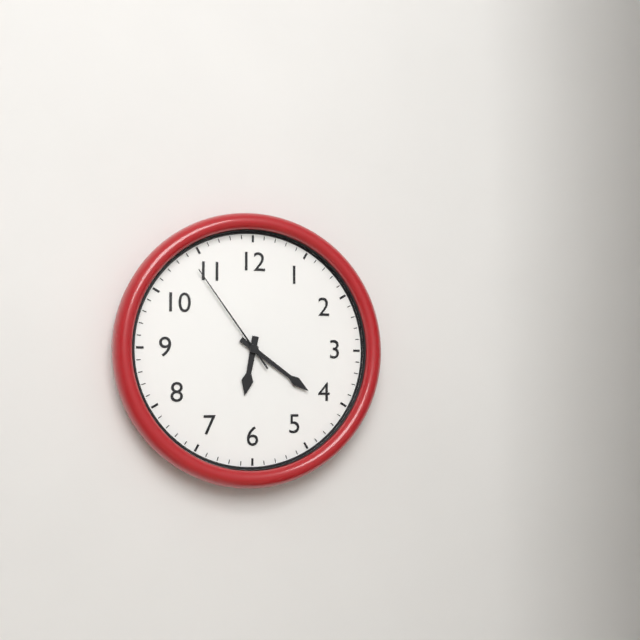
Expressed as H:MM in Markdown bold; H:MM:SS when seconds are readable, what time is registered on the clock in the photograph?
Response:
**6:21:54**
